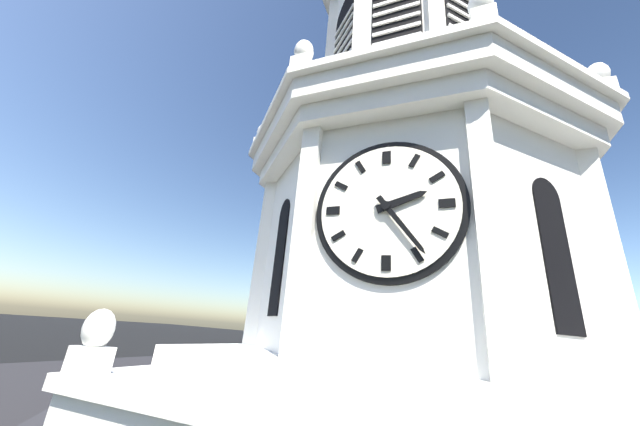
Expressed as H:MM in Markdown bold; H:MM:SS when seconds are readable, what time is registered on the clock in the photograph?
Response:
**2:24**
